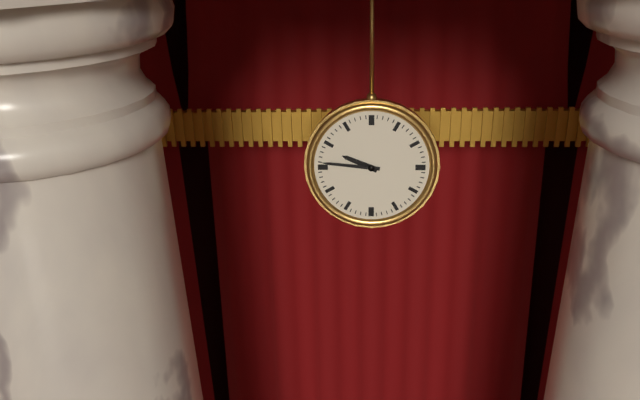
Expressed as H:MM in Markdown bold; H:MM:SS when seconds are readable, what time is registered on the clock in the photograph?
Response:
**9:46**
